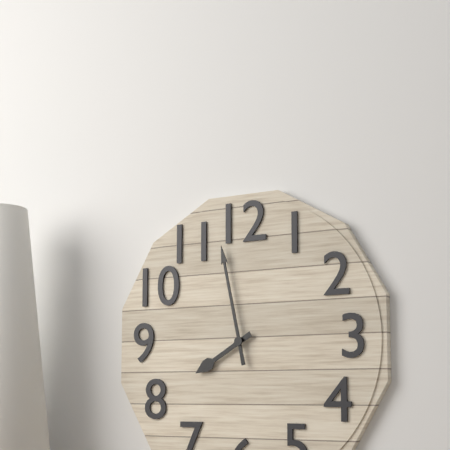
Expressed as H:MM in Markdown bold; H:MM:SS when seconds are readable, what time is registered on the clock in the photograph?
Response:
**7:58**
